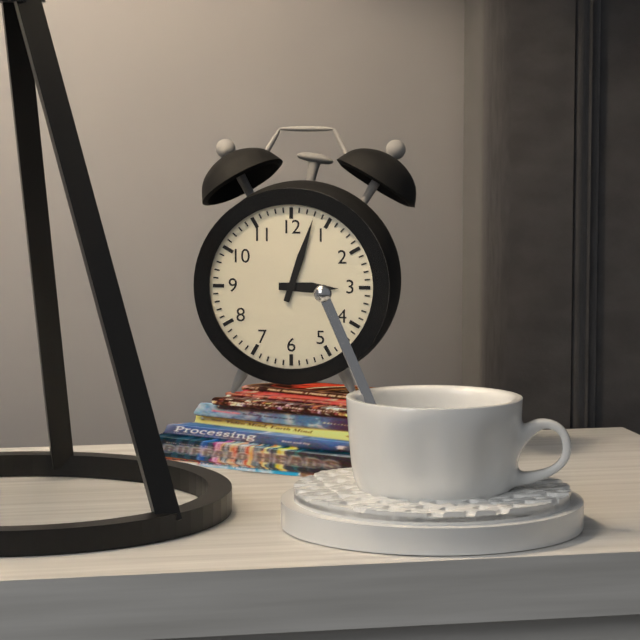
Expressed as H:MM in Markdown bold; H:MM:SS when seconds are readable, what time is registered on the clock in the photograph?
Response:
**3:03**
